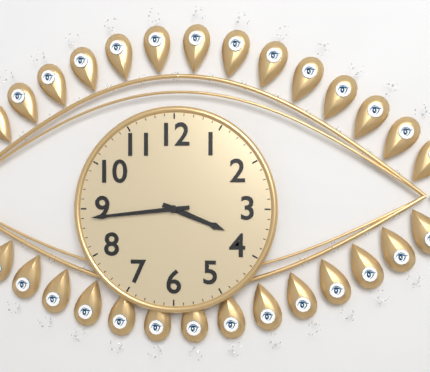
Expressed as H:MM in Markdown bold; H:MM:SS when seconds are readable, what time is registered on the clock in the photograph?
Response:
**3:44**
